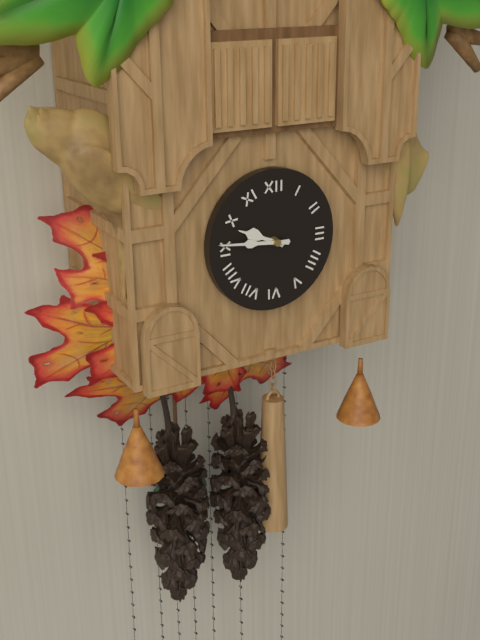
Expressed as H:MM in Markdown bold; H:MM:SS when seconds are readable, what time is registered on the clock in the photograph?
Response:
**9:46**
